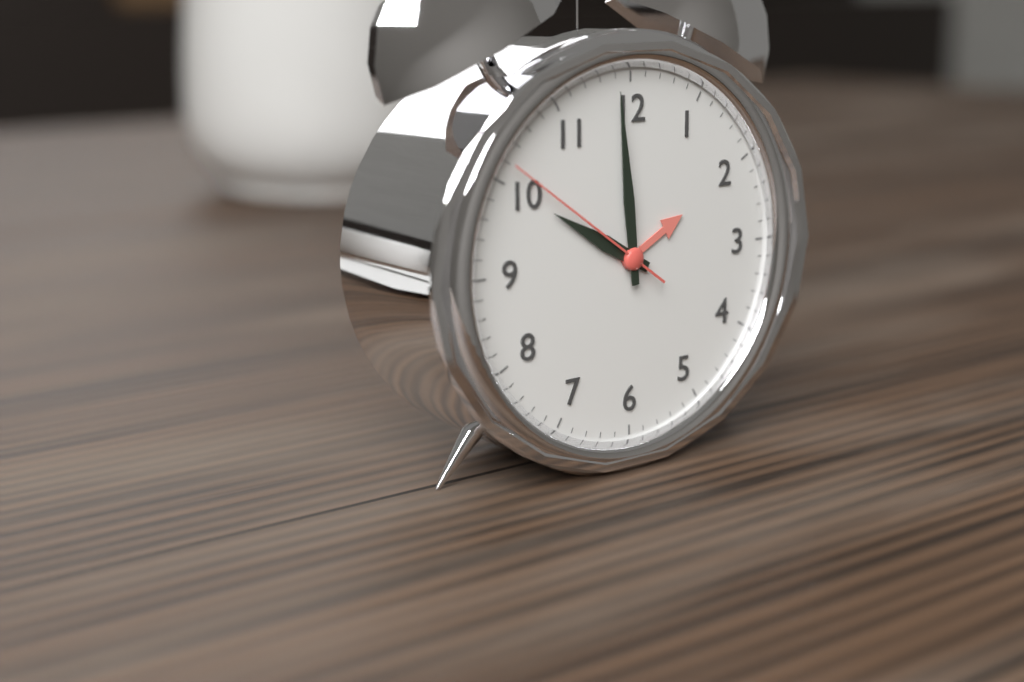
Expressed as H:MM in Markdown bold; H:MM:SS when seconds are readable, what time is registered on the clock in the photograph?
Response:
**9:59:51**
